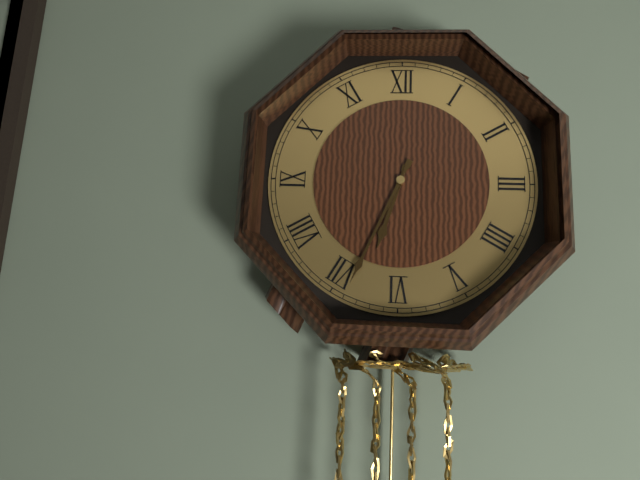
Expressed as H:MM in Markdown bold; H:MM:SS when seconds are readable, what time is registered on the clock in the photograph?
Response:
**6:34**
